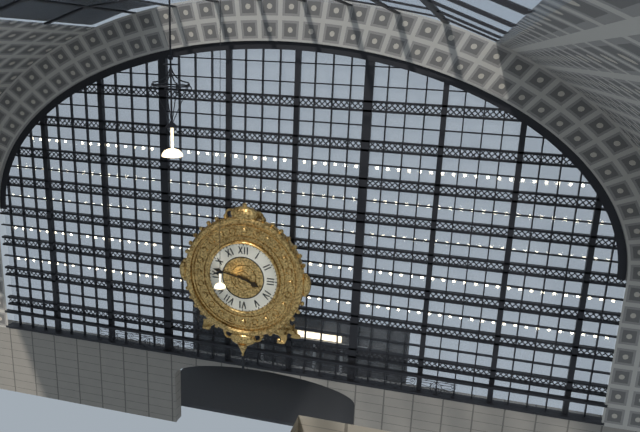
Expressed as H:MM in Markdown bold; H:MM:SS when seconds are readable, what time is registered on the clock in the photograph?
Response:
**3:47**
